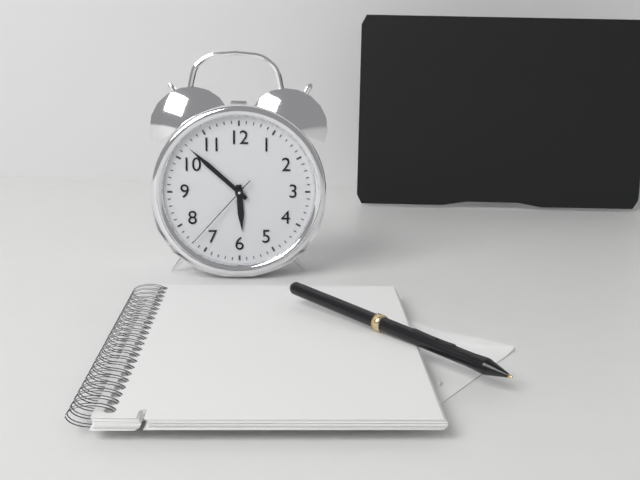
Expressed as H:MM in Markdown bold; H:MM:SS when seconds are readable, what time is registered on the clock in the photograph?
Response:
**5:52:37**
